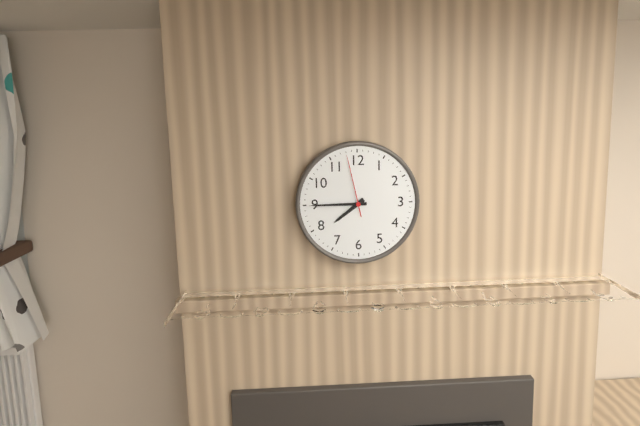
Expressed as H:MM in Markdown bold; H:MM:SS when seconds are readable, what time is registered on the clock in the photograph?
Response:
**7:45:58**
